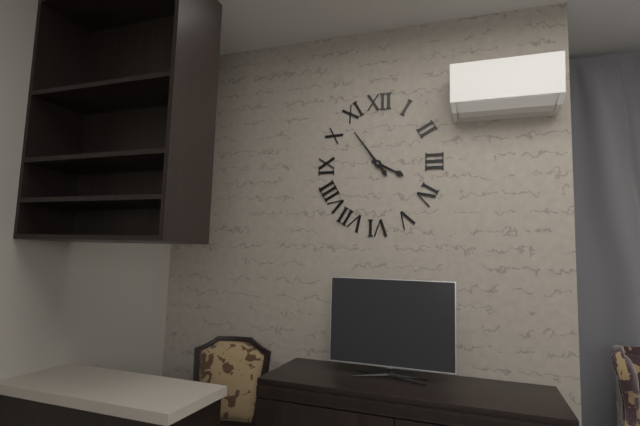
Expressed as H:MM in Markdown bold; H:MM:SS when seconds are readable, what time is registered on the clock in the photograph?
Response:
**3:54**
